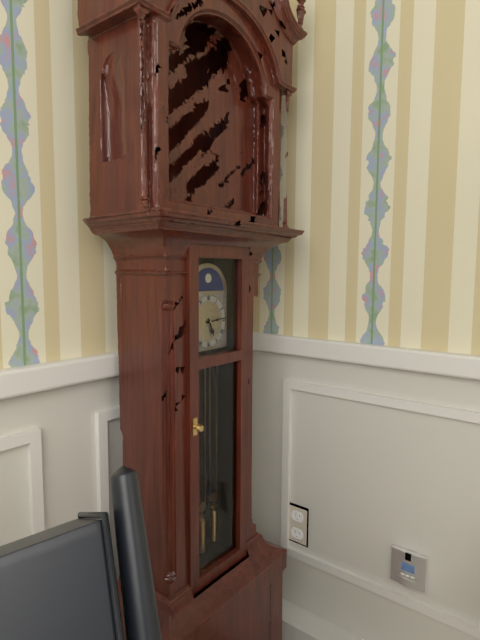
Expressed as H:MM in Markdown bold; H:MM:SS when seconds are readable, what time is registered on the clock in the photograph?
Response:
**5:14**
